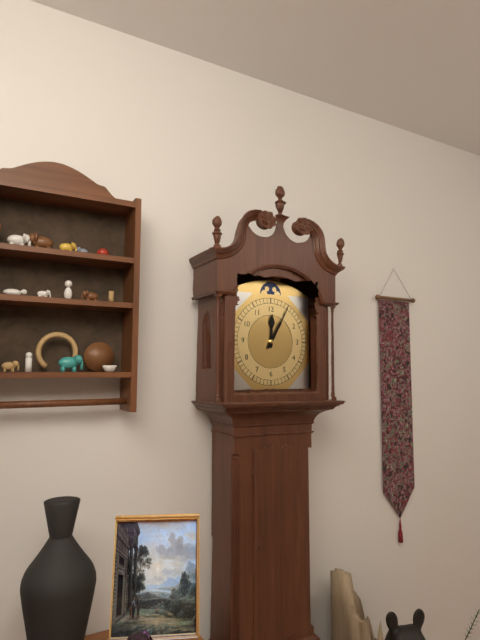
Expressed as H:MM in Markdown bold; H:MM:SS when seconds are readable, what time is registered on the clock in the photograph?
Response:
**12:05**
